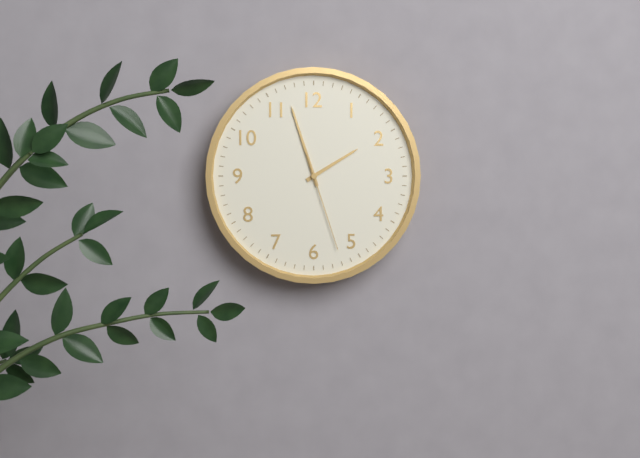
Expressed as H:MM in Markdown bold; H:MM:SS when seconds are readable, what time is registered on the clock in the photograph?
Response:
**1:57:27**
